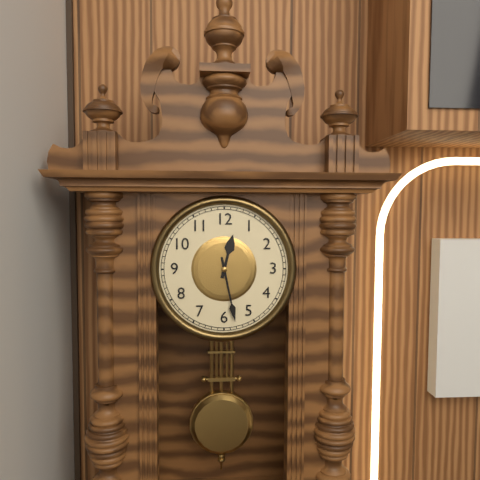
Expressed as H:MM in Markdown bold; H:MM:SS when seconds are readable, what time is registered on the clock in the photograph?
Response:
**12:28**
